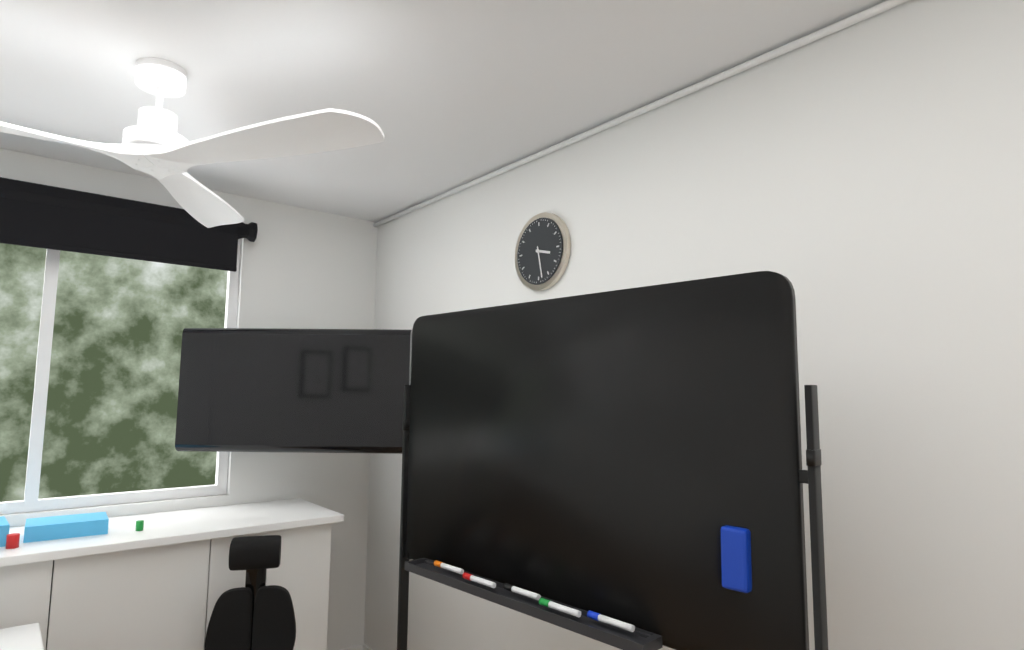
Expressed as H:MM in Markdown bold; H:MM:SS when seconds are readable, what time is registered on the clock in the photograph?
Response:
**3:28**
